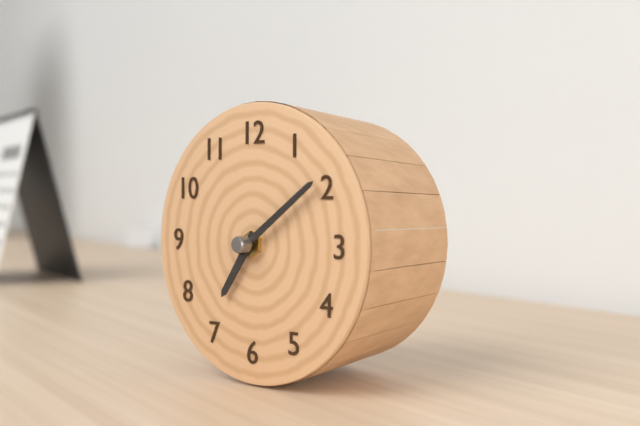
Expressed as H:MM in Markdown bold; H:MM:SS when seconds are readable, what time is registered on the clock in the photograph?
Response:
**7:09**
